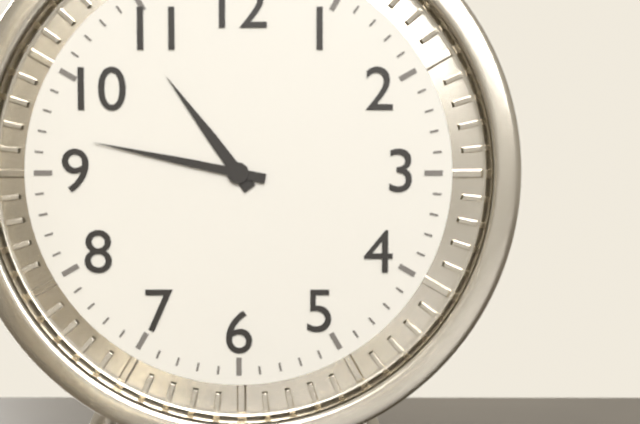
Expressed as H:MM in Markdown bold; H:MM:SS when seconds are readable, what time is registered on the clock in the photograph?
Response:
**10:47**
